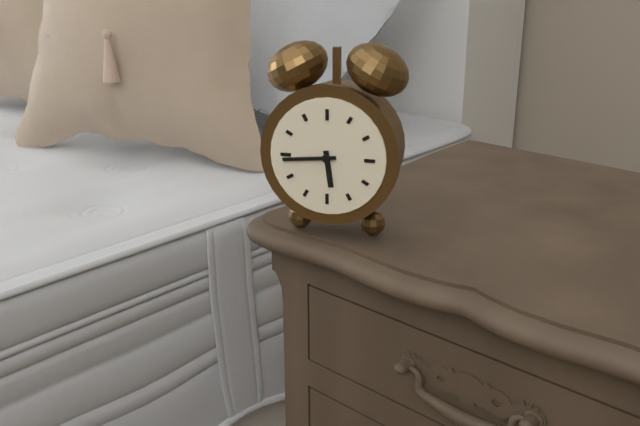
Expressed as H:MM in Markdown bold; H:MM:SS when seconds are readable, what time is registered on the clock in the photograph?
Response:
**5:44**
